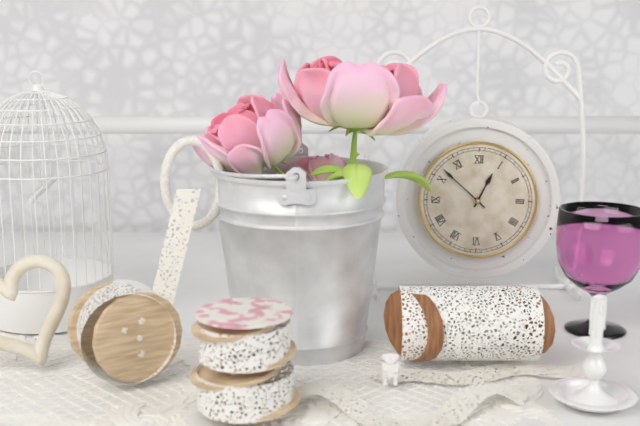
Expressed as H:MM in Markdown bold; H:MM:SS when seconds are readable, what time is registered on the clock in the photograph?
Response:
**12:52**
